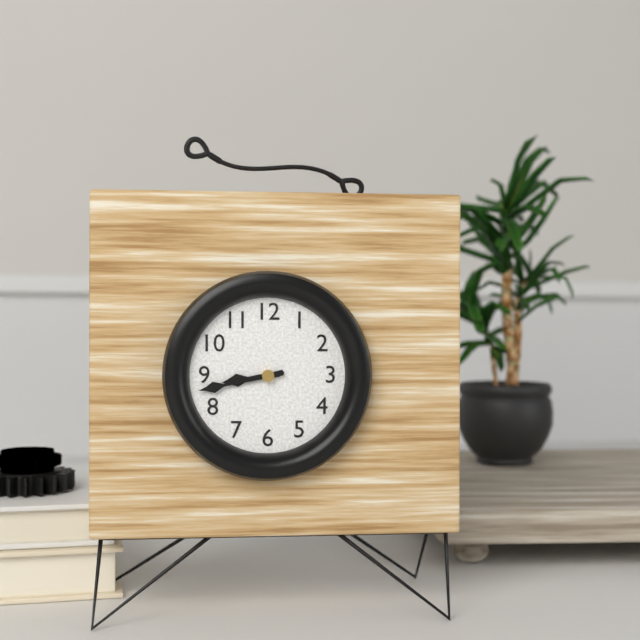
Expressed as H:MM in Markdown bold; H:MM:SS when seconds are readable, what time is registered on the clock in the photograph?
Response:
**8:43**
